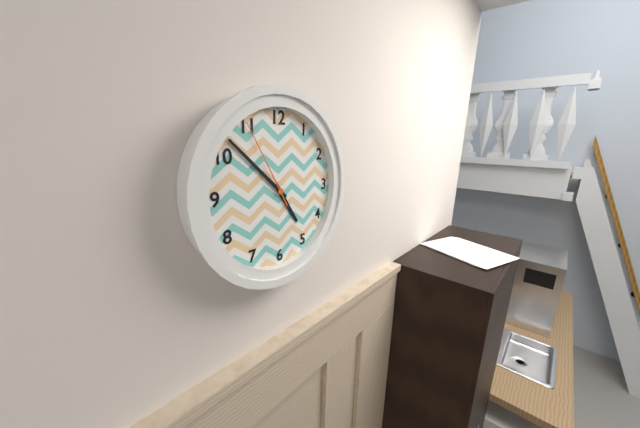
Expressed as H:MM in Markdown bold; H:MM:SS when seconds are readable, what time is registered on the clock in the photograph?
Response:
**4:52:55**
